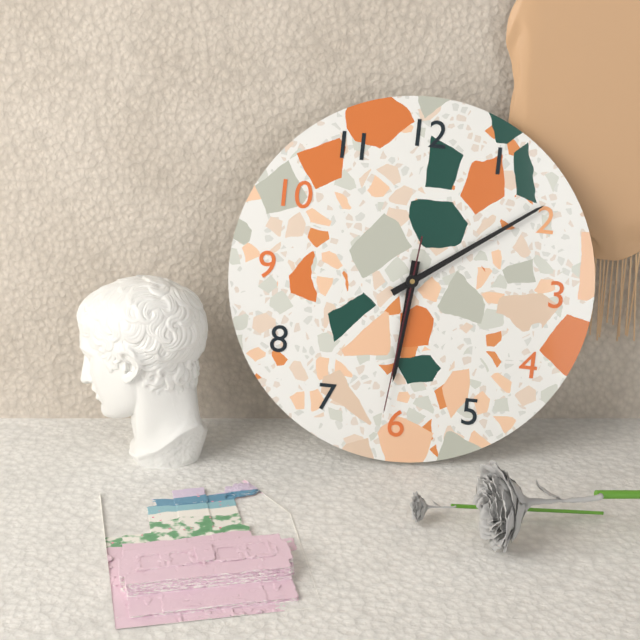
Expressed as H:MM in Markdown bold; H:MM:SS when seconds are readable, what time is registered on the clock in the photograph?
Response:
**6:09:31**
